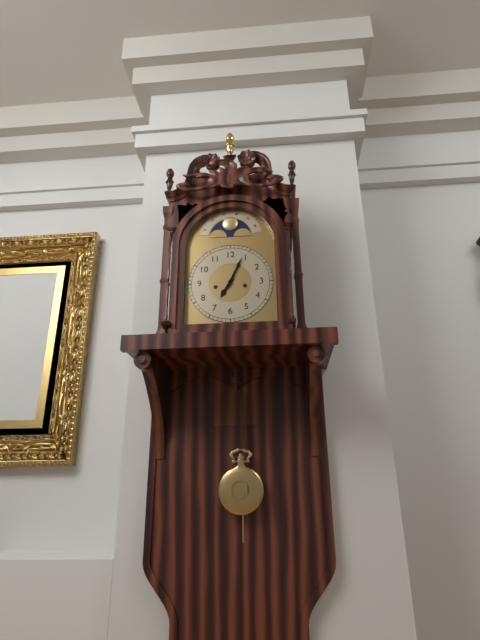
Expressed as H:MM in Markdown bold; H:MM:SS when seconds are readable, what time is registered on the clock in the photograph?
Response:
**7:04**
